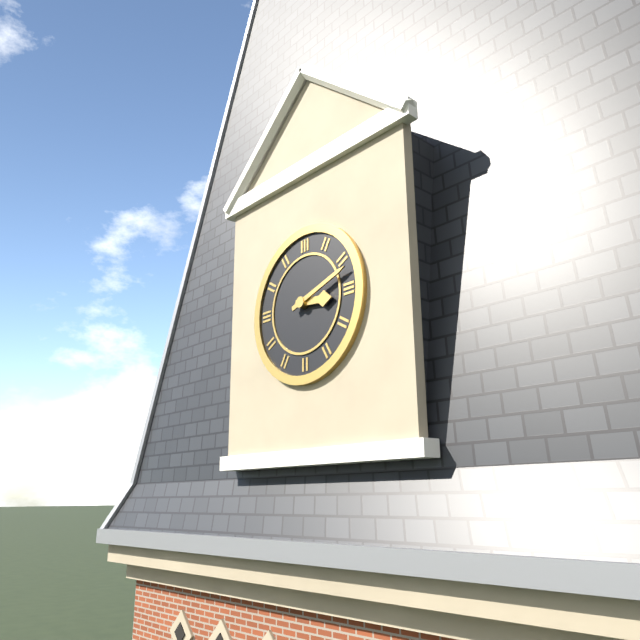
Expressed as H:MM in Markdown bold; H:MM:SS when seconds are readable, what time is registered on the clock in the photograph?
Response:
**3:12**
